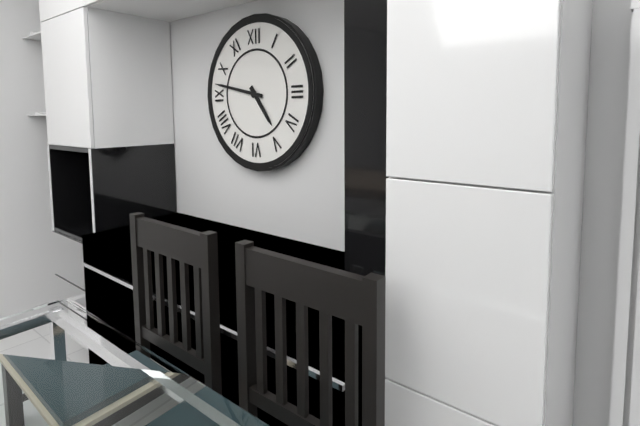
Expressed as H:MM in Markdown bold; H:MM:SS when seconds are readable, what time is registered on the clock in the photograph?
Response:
**4:47**
